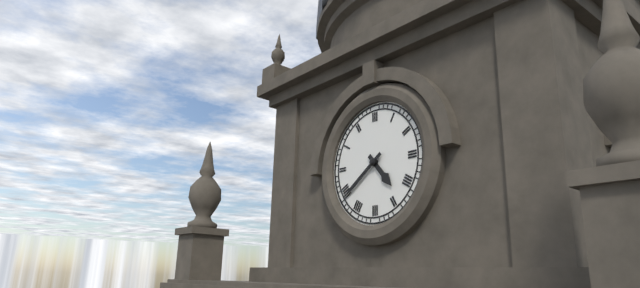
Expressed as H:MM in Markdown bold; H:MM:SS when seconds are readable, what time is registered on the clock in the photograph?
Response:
**4:39**
